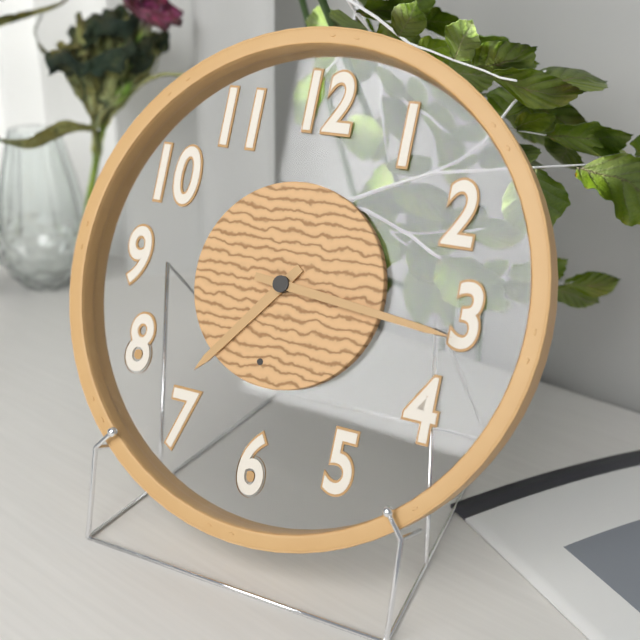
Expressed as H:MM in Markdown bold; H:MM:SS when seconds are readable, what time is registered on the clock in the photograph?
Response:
**7:16**
